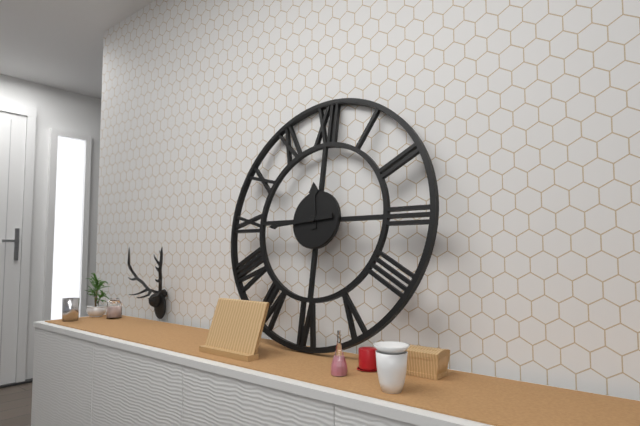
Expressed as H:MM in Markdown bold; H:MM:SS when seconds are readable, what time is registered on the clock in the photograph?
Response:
**11:44**
